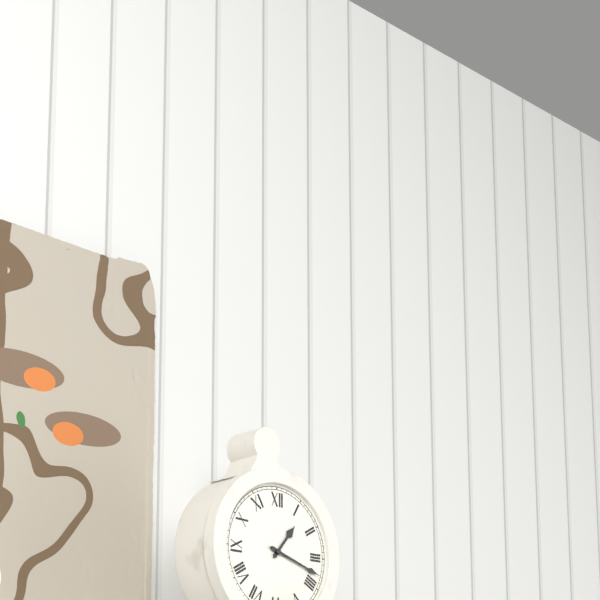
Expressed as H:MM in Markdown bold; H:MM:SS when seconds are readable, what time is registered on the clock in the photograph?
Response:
**1:18**
